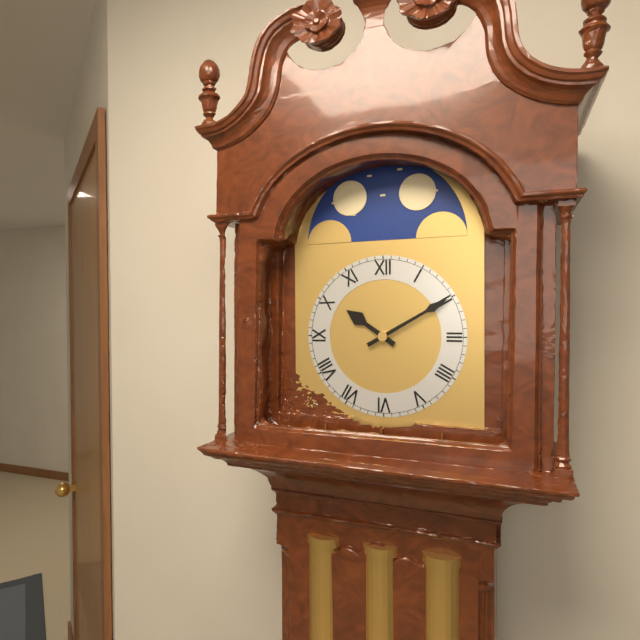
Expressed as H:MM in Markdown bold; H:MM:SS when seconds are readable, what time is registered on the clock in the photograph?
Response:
**10:10**
